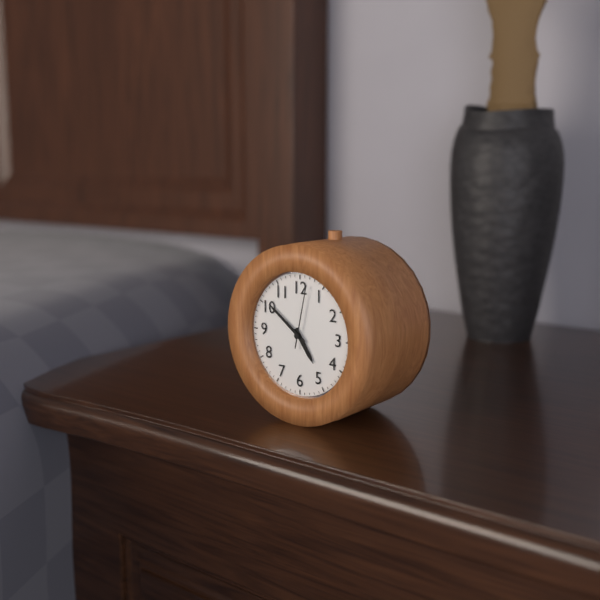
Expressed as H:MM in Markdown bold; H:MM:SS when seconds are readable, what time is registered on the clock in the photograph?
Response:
**4:51:02**
